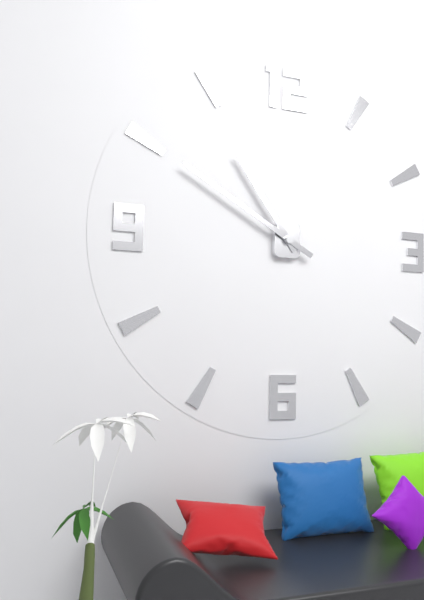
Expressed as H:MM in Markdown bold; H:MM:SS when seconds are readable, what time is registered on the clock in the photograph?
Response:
**10:50**
